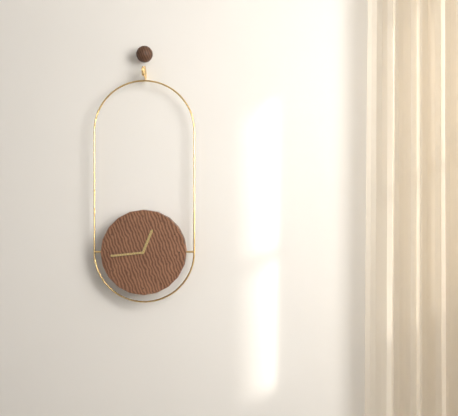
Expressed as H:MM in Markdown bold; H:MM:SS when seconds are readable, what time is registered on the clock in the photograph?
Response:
**12:44**
